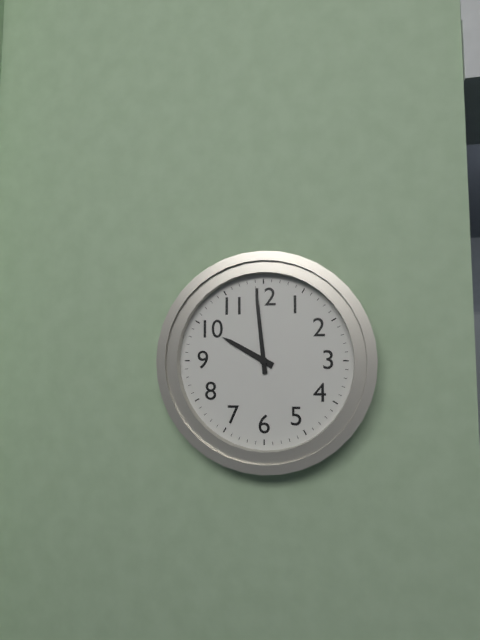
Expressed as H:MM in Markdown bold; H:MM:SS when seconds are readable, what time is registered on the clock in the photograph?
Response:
**9:59**
